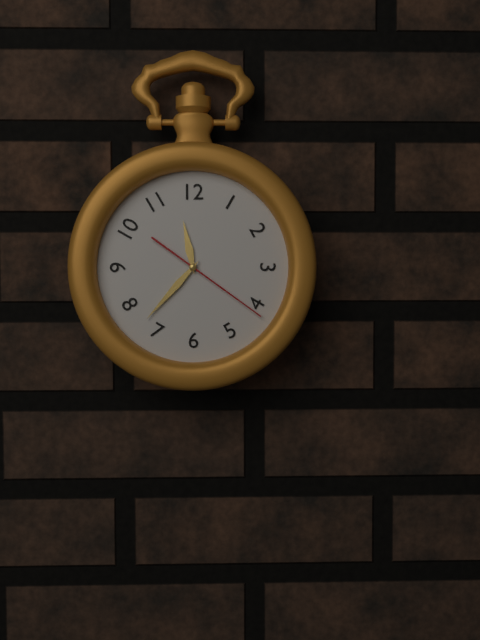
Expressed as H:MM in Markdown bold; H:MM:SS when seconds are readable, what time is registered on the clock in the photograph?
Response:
**11:37:21**
